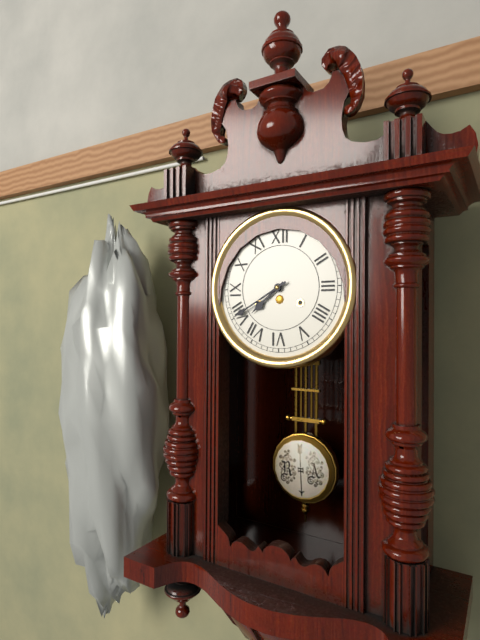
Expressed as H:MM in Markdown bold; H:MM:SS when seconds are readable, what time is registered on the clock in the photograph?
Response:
**7:40**
